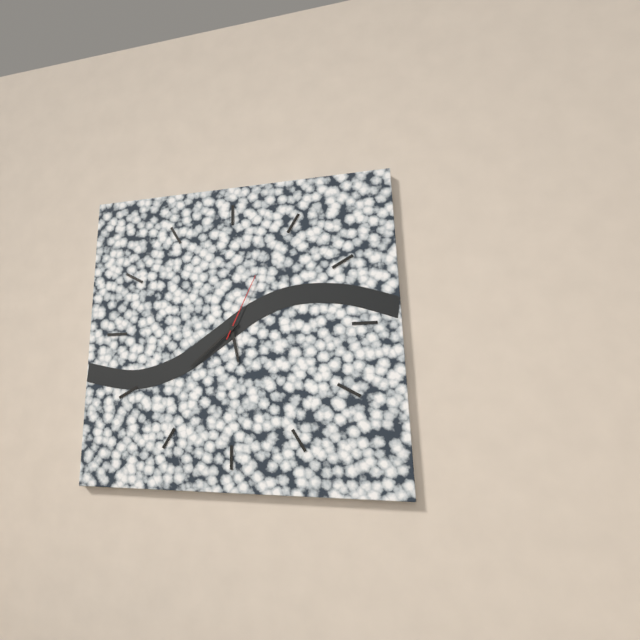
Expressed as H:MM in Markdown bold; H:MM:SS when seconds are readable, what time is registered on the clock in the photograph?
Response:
**5:38:04**
